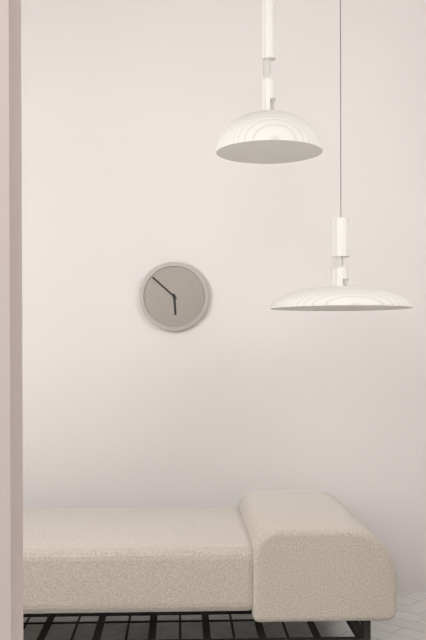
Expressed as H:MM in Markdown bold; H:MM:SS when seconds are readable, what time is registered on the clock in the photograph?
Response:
**5:52**
